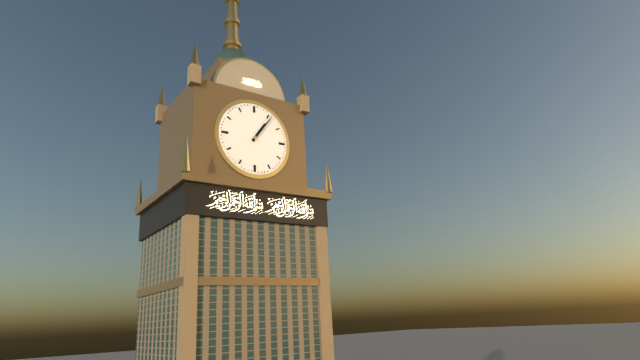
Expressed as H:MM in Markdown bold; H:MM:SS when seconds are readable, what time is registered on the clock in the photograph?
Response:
**1:06**
